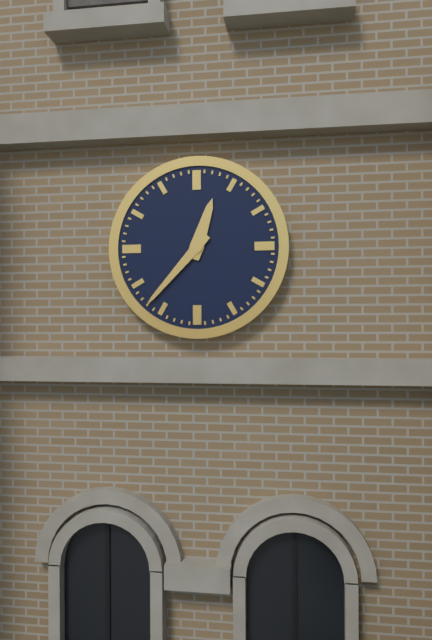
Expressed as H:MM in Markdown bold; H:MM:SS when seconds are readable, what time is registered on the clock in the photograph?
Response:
**12:37**
